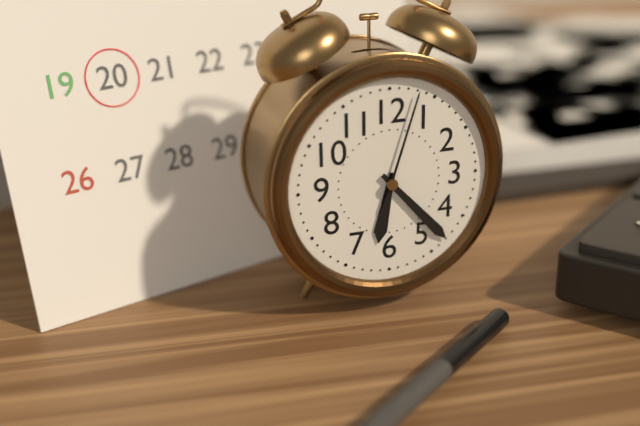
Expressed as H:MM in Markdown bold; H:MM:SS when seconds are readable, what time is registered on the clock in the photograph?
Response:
**6:23:03**
